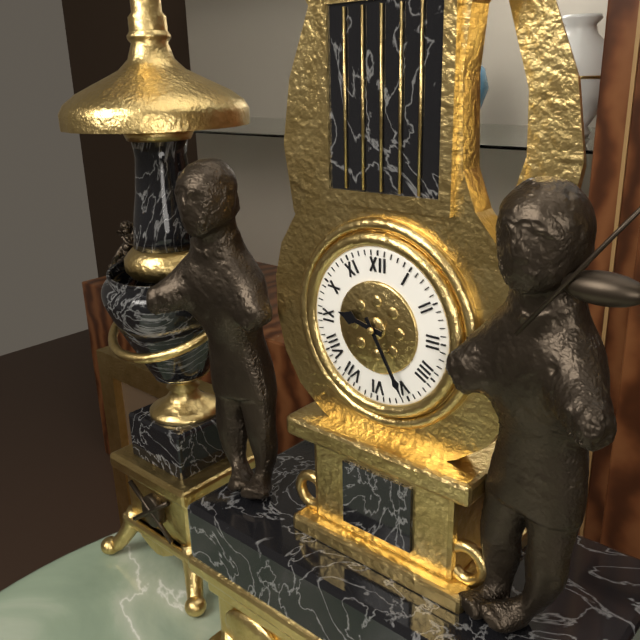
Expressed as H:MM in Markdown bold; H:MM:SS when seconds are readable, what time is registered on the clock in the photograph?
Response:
**9:25**
